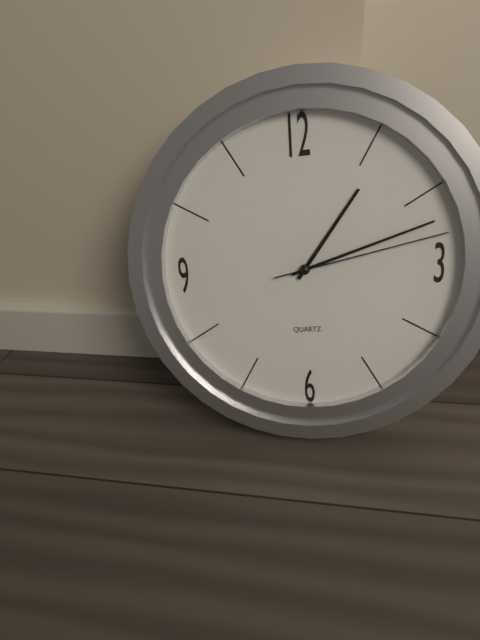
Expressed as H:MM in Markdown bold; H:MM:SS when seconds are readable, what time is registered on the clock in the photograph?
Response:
**1:12:13**
